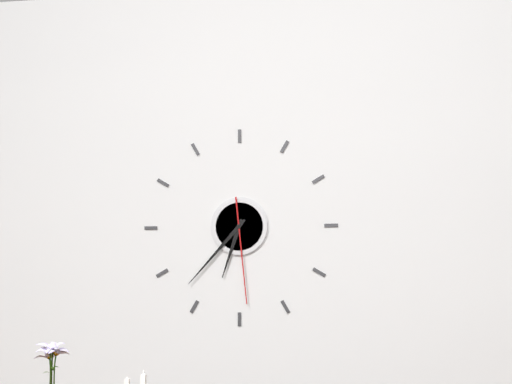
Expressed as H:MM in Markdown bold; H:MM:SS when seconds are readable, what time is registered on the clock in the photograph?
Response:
**6:37:29**
